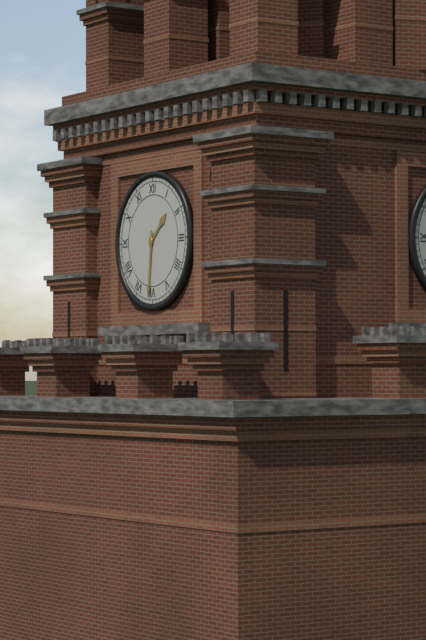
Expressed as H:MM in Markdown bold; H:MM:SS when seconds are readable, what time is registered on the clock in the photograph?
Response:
**1:31**
